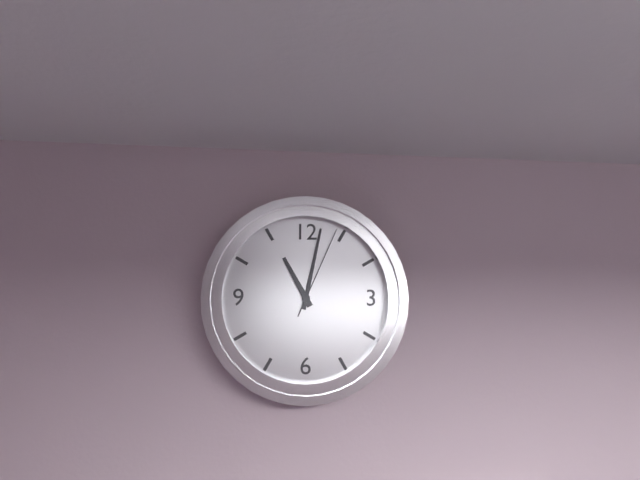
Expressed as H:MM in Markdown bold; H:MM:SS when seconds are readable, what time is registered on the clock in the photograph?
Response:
**11:02:04**
